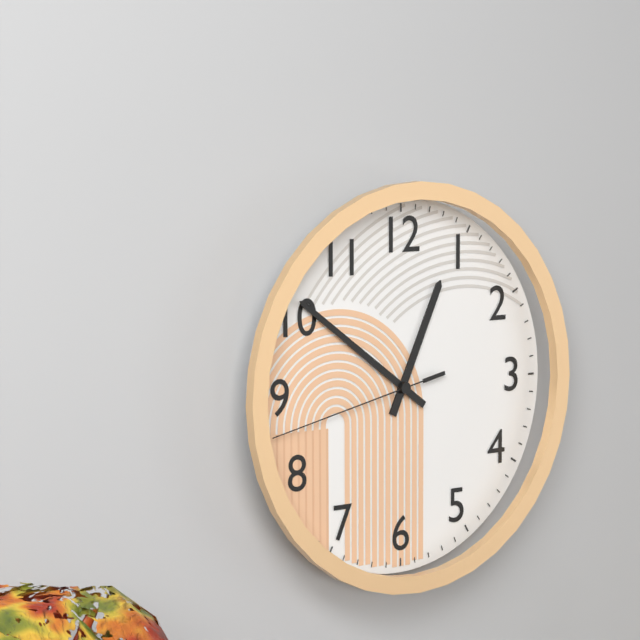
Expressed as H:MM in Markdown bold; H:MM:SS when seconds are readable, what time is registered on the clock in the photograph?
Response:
**12:51:43**
